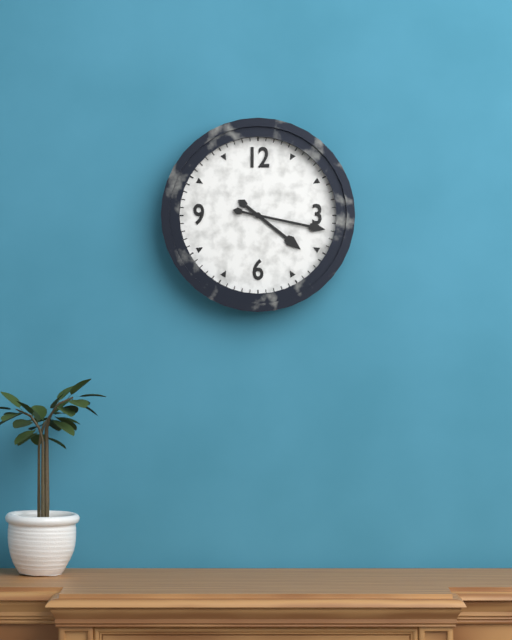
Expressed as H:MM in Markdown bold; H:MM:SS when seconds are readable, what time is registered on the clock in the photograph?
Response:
**4:17**
